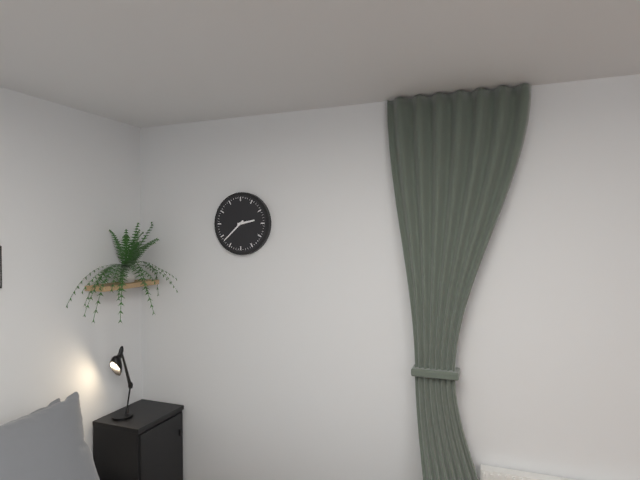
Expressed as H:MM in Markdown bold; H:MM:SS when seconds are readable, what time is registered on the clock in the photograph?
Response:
**2:38**
